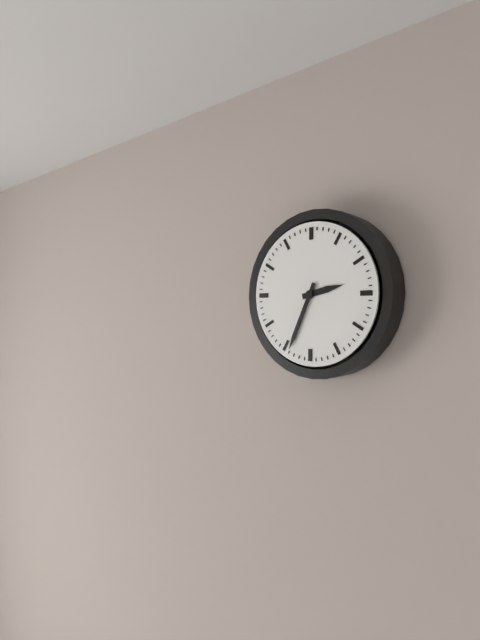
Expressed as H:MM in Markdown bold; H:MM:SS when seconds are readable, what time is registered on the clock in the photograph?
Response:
**2:34**
